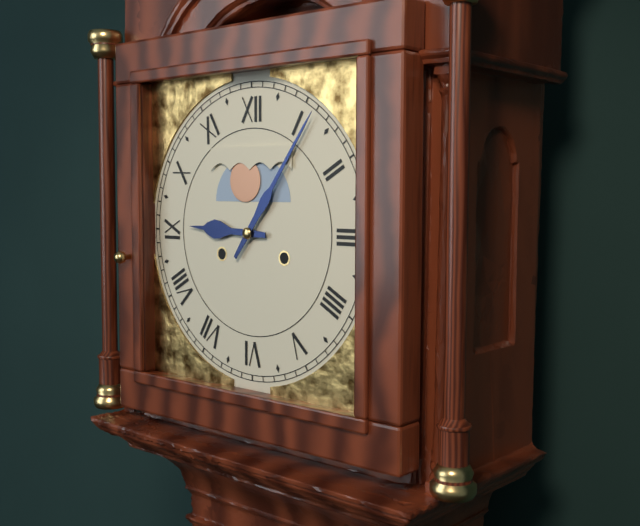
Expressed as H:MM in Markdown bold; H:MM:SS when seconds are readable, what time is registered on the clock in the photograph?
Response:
**9:06**
